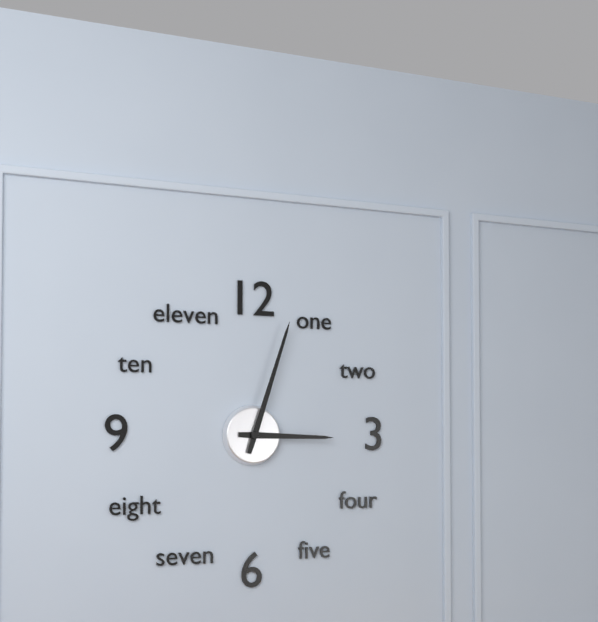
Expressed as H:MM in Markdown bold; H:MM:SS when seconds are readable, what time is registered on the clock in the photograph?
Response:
**3:03**
